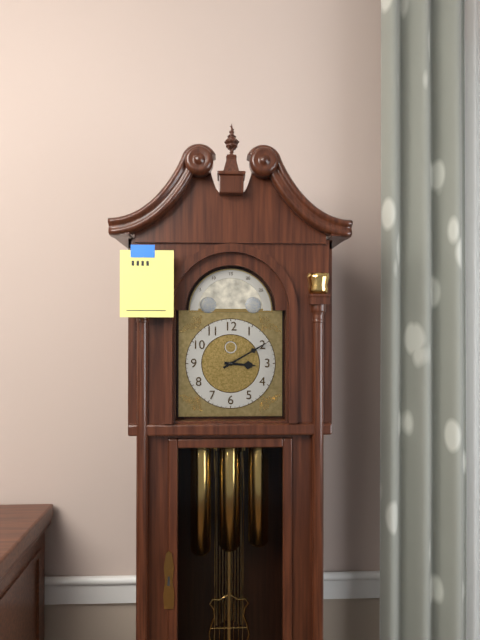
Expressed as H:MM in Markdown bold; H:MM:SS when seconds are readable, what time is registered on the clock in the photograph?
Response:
**3:10**
